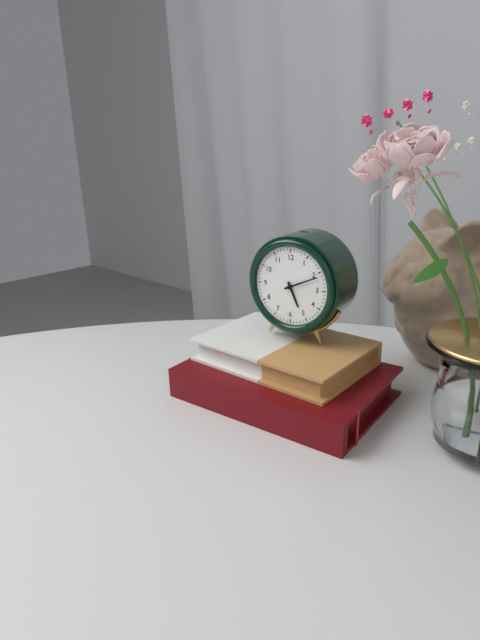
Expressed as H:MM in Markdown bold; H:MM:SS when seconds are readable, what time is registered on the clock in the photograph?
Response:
**5:11**
